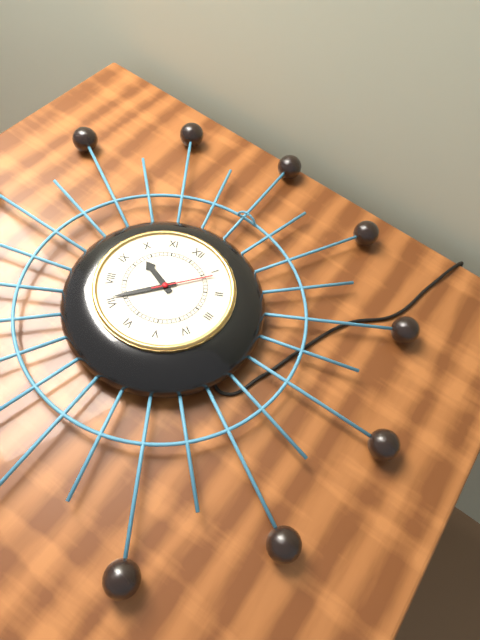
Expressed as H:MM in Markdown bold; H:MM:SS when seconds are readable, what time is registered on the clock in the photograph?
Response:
**9:36:06**
